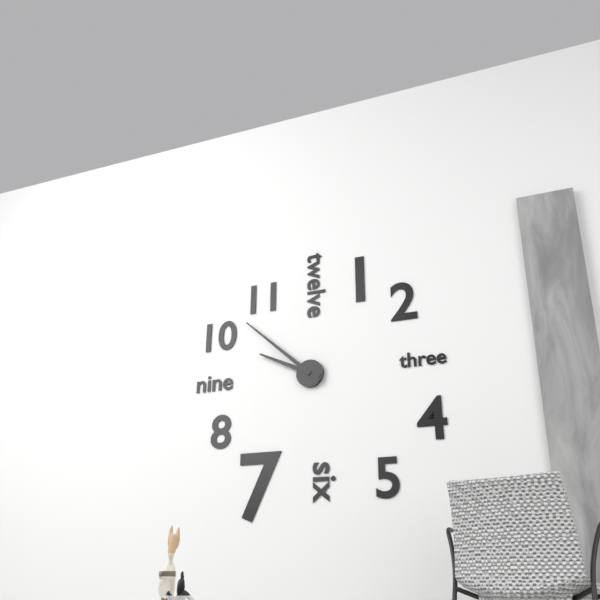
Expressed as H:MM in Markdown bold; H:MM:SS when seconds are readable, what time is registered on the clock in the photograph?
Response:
**9:52**
